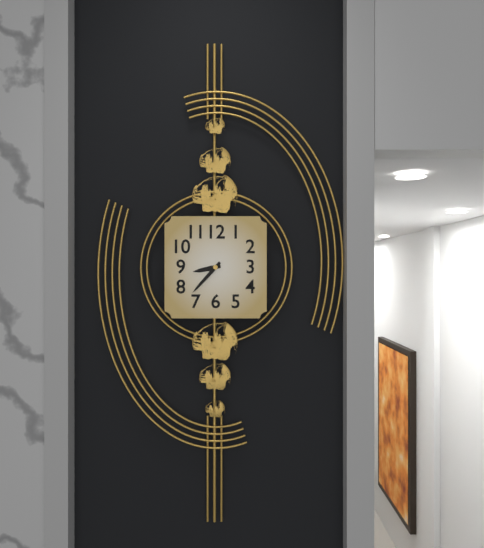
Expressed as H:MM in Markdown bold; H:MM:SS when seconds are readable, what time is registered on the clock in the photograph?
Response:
**8:37**
